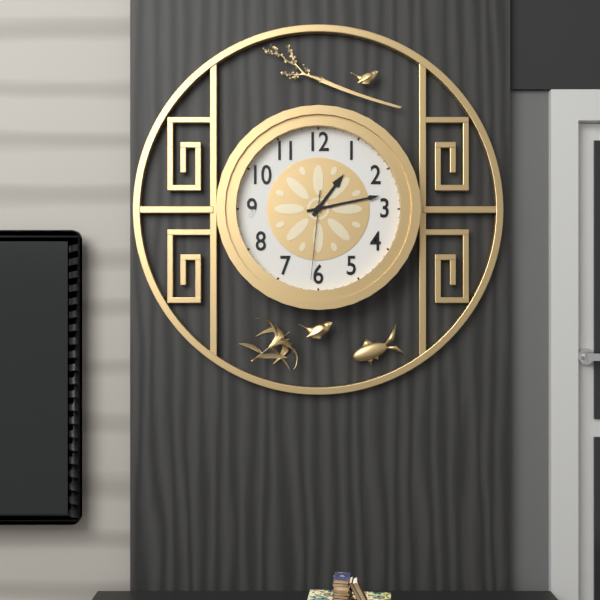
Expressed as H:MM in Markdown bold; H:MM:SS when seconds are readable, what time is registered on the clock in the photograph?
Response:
**1:13:31**
